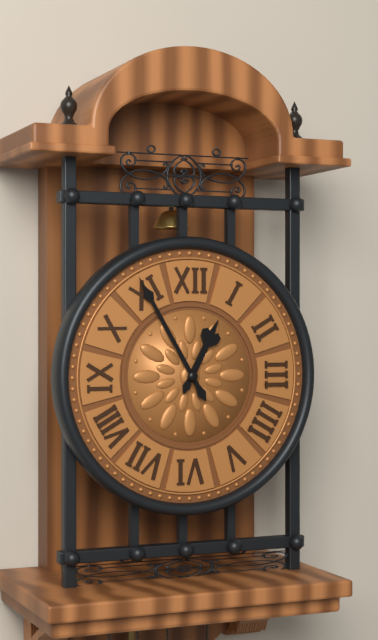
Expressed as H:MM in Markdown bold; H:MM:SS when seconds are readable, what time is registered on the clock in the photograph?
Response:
**12:55**
